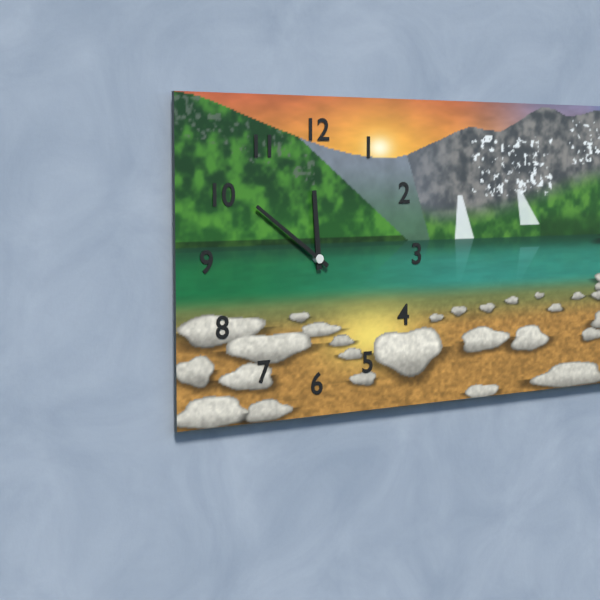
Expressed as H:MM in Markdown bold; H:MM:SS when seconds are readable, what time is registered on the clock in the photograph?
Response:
**11:51**
